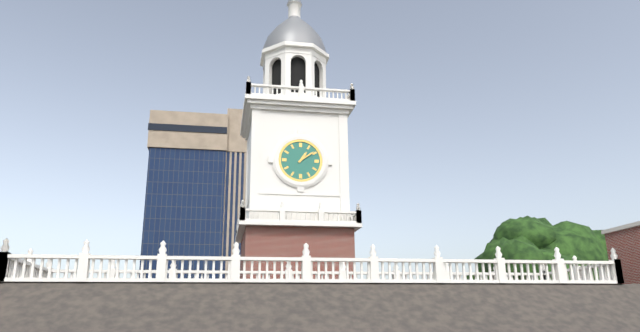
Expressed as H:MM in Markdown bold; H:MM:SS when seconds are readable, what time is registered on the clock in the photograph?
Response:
**1:09**
